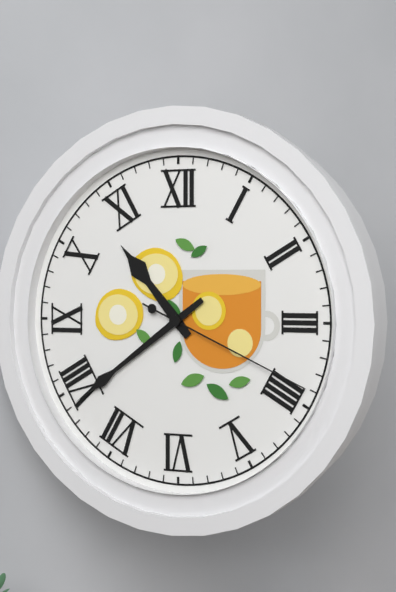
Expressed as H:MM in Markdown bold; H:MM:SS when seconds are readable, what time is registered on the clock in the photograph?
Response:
**10:39:19**
